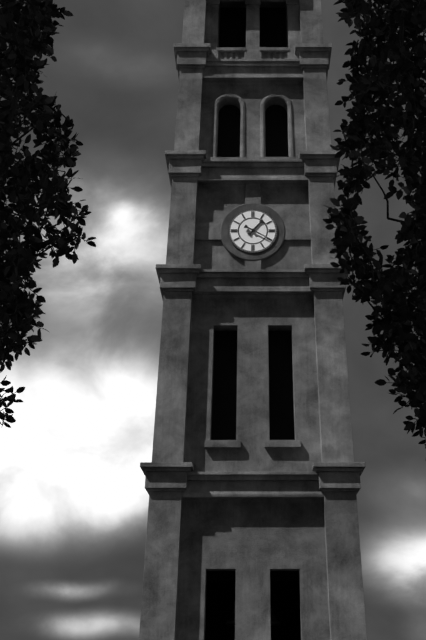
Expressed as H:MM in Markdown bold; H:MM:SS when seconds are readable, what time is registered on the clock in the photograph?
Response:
**1:20**
